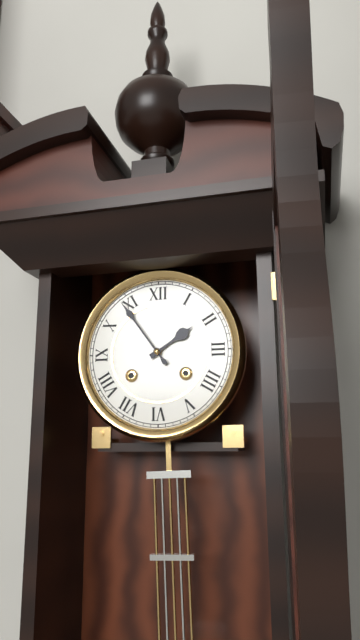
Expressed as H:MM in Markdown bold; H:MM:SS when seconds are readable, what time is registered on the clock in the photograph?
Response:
**1:54**
